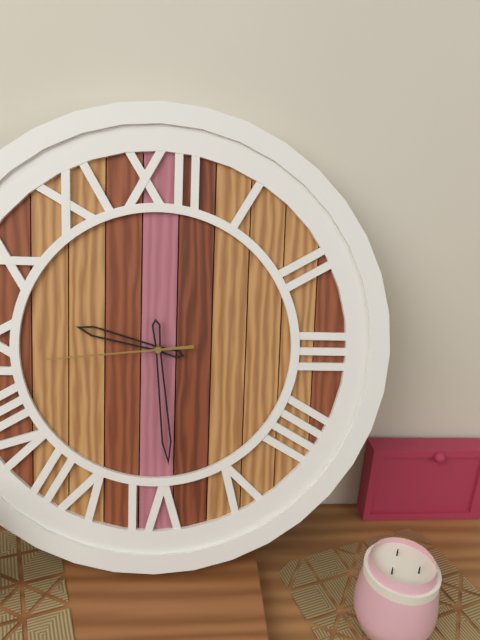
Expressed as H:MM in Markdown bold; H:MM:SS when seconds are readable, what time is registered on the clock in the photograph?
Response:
**9:29:44**
